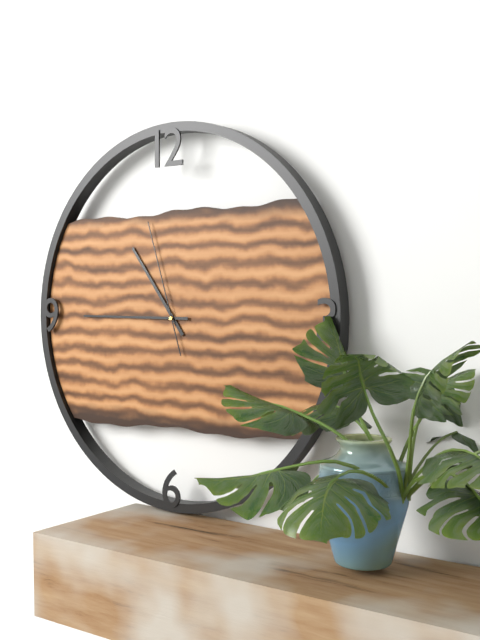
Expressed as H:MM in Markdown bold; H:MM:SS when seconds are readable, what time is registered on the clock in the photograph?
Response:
**10:45:57**
